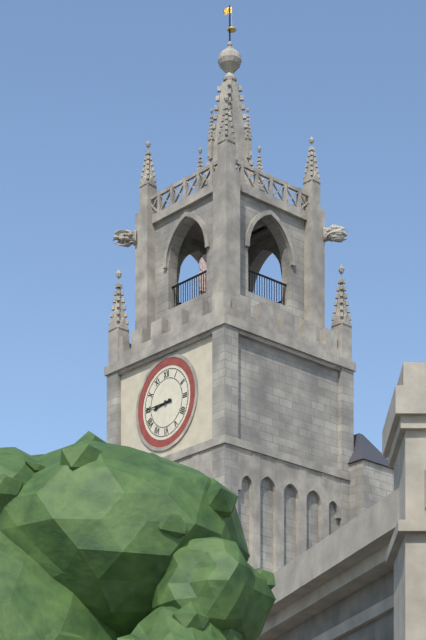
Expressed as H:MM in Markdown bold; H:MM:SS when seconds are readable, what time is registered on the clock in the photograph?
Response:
**8:45**
